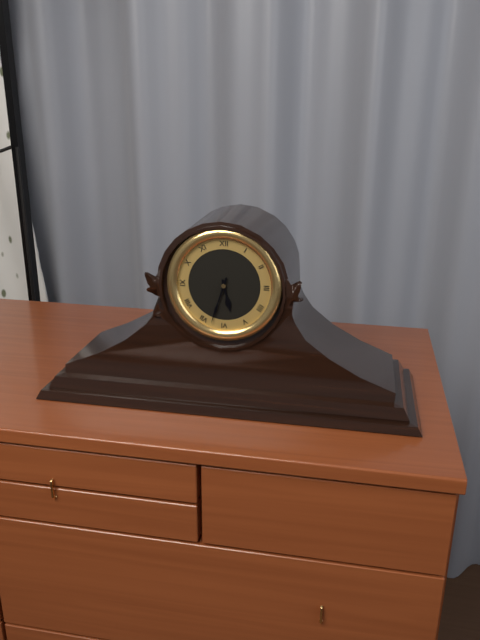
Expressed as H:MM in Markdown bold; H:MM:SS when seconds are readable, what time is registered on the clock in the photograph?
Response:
**5:33**
